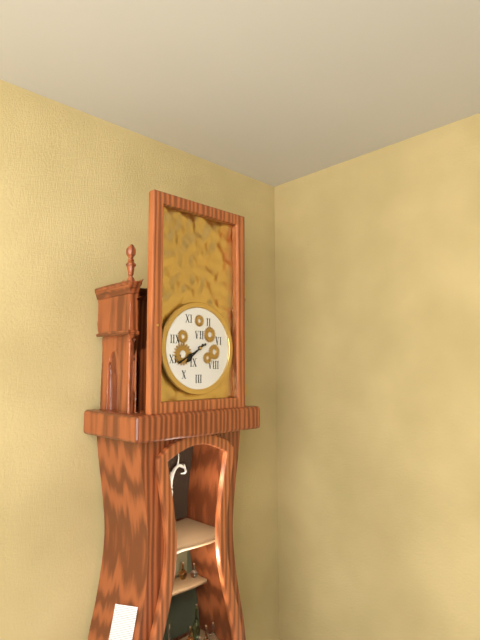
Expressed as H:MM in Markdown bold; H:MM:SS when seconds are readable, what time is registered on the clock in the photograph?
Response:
**7:40**
